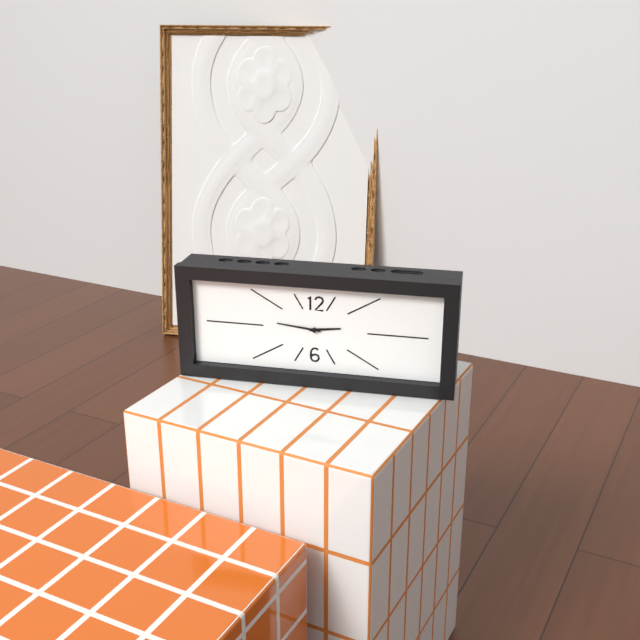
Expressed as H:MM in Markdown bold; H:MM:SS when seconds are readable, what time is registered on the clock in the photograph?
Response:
**2:46**
